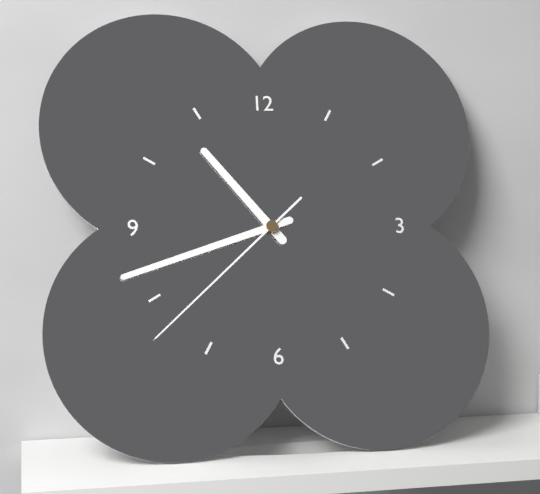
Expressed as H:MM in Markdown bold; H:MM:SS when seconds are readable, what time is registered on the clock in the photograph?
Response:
**10:42:38**
